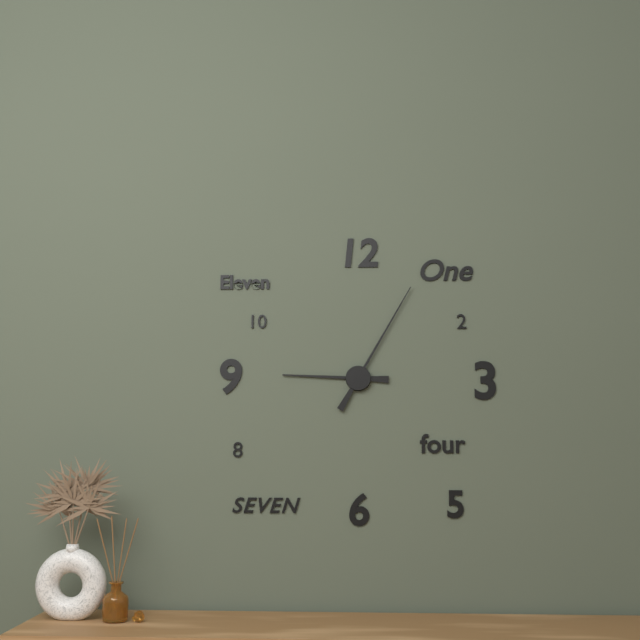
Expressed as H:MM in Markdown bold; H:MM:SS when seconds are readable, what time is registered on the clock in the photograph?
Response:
**9:05**
